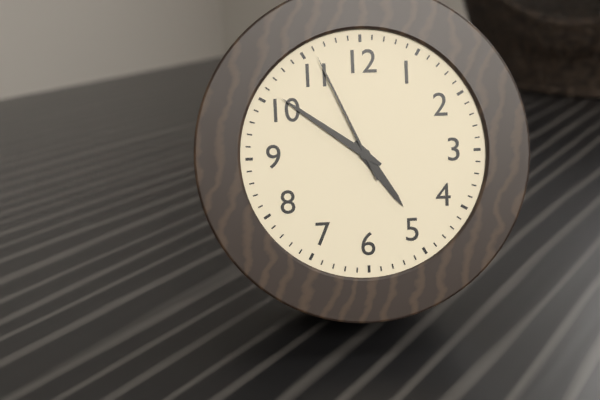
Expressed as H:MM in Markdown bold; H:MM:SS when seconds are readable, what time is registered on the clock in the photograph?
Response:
**4:51:56**
